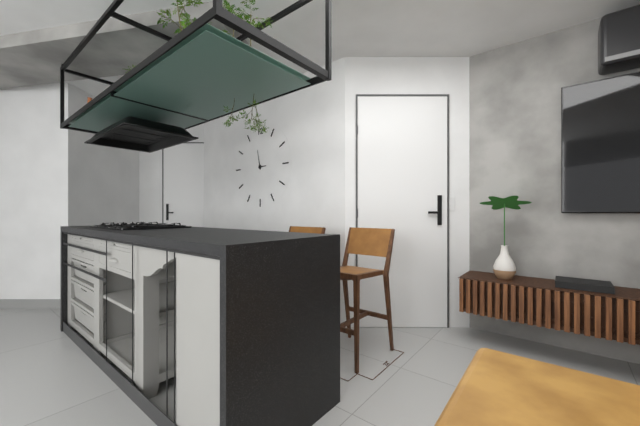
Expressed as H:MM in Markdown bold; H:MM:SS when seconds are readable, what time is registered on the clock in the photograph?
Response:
**2:58**
